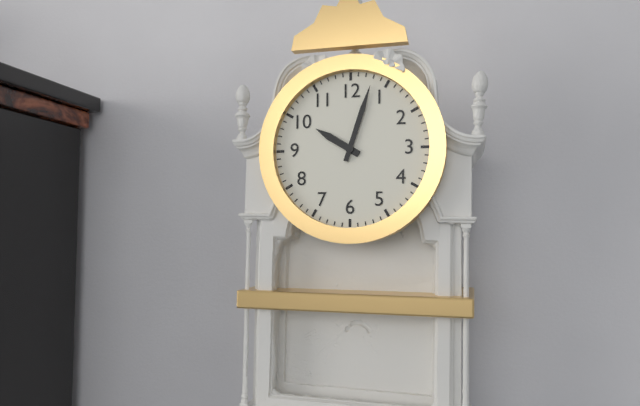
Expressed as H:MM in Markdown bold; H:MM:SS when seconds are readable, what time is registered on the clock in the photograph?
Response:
**10:03**
